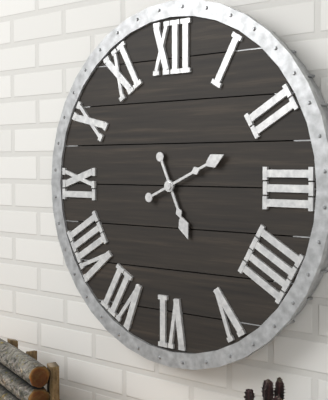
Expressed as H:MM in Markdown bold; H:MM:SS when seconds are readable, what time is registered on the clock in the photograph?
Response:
**5:11**
